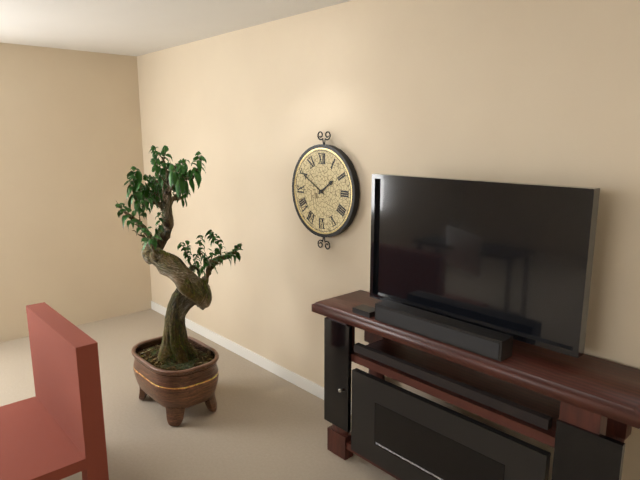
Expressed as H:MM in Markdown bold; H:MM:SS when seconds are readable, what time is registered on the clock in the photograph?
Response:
**1:50**
